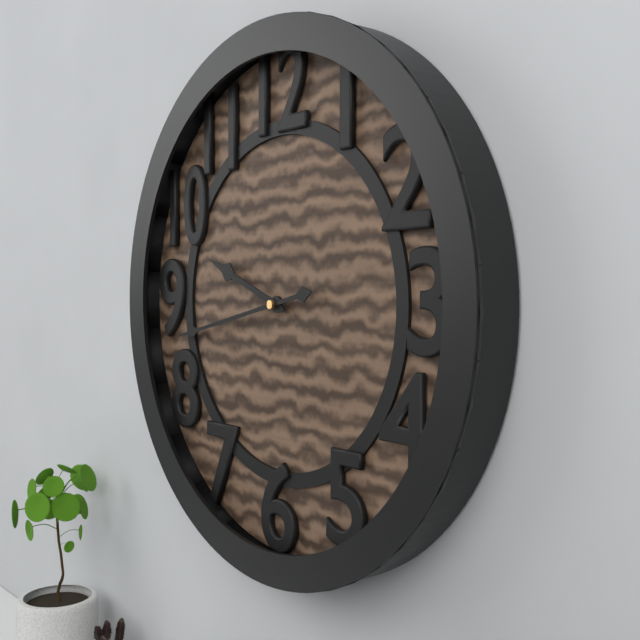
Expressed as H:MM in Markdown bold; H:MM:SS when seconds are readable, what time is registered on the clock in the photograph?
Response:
**9:43**
